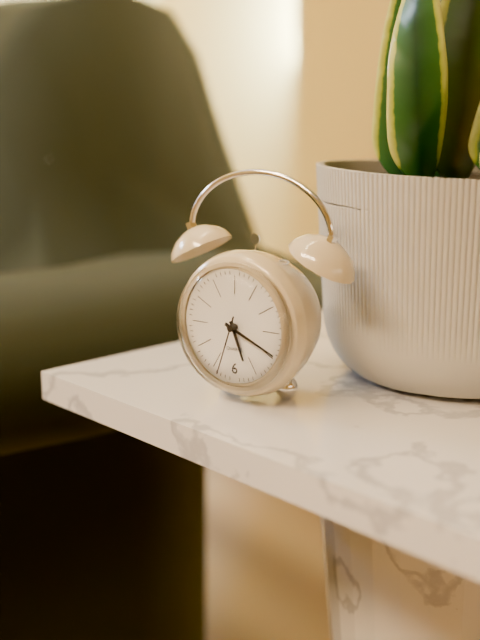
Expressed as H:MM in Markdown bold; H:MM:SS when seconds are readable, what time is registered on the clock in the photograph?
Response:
**5:19:33**
